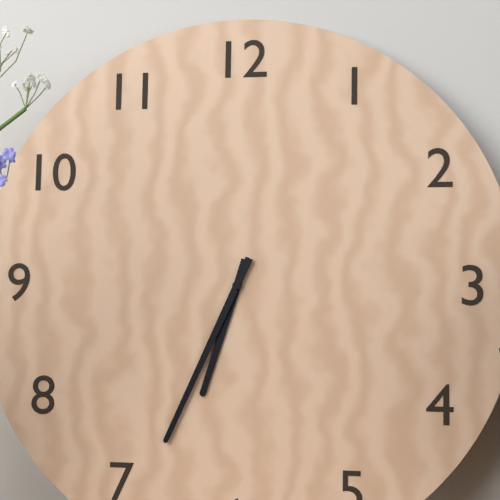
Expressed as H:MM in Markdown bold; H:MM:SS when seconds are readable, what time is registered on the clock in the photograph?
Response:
**6:34**
